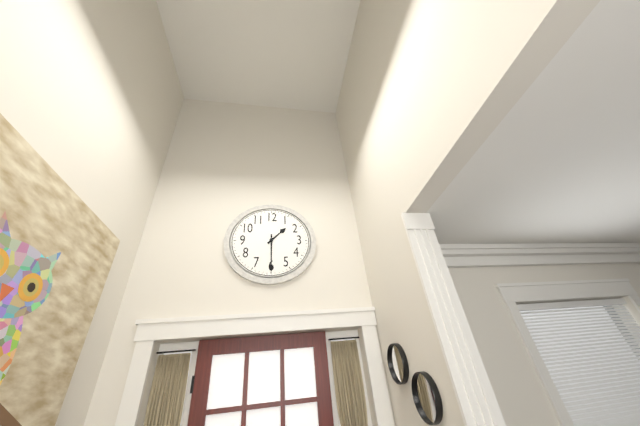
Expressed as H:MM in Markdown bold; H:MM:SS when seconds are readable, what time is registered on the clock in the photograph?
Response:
**1:30**
